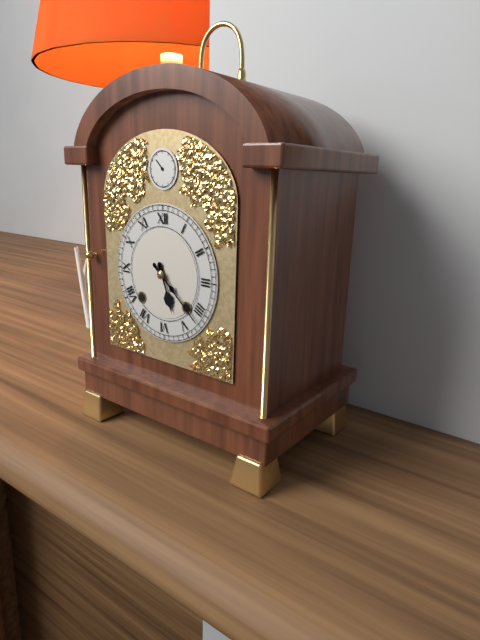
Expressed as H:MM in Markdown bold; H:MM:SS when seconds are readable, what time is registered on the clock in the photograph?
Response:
**5:22**
